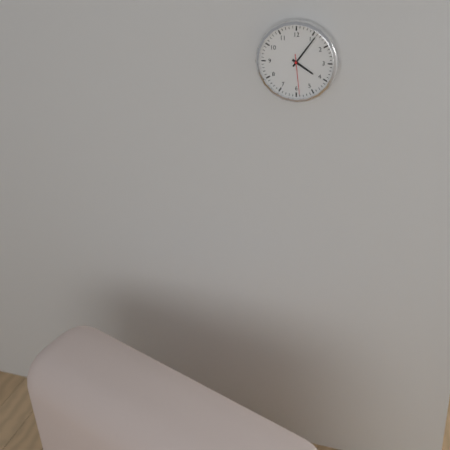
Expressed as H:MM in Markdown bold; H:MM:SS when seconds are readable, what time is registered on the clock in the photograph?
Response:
**4:06**
